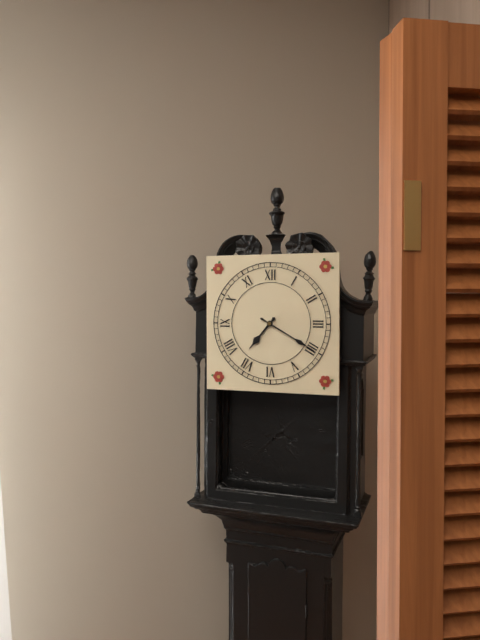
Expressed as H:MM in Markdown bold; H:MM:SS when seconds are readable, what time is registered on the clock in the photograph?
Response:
**7:20**
